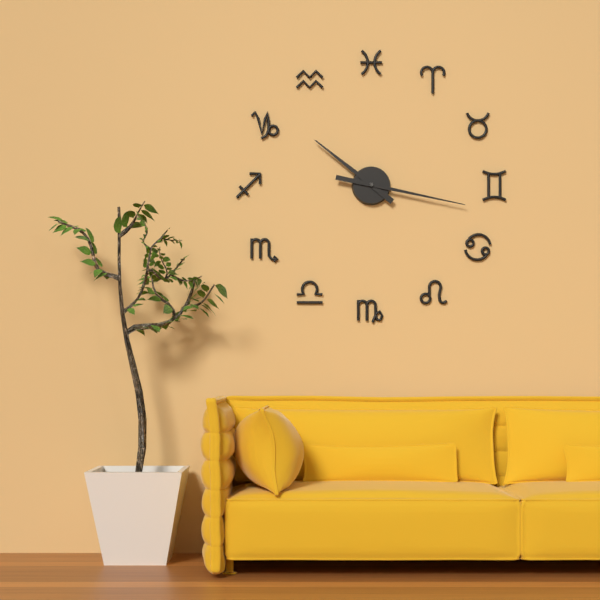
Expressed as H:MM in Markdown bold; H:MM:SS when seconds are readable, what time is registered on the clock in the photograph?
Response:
**10:17**
